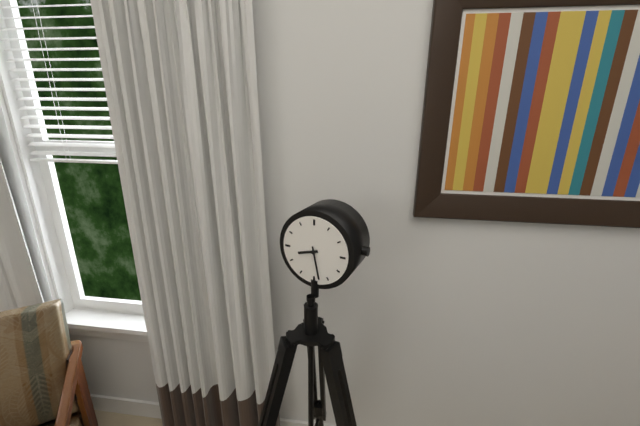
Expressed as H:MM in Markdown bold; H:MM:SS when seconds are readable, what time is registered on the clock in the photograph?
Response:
**8:28**
